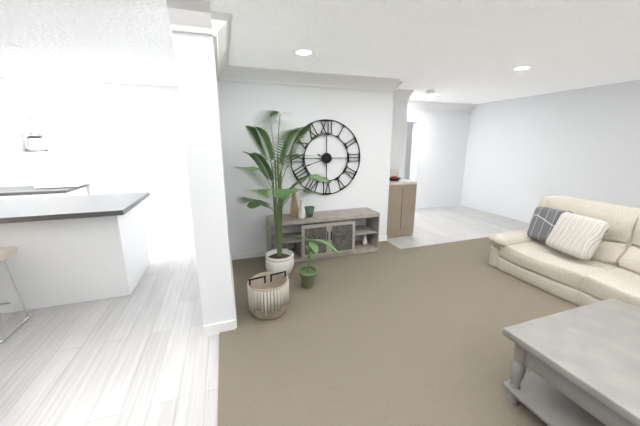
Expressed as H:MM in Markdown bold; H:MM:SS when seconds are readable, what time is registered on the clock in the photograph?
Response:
**9:42**
